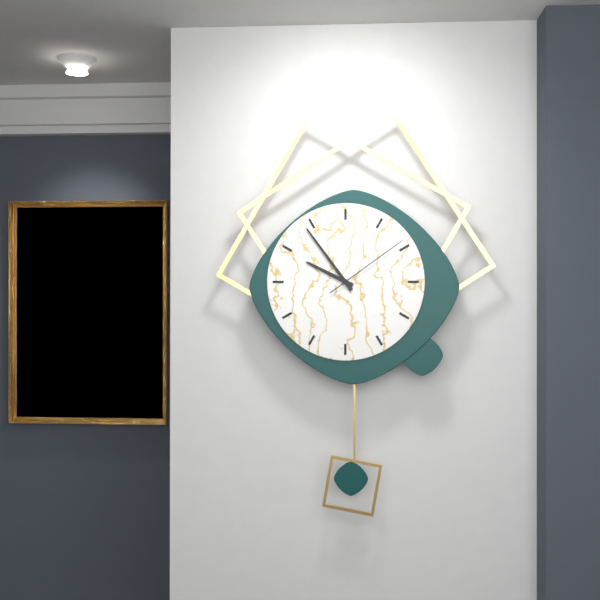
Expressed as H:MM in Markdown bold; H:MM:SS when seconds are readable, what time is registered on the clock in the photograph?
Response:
**9:54:09**
